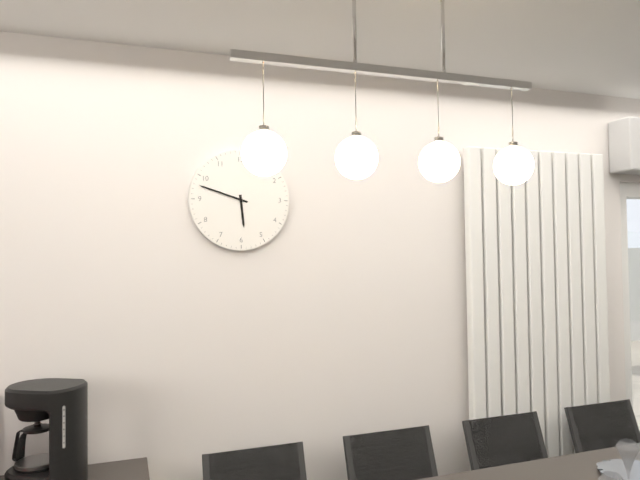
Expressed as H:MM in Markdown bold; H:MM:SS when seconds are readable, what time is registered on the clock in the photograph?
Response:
**5:48**
